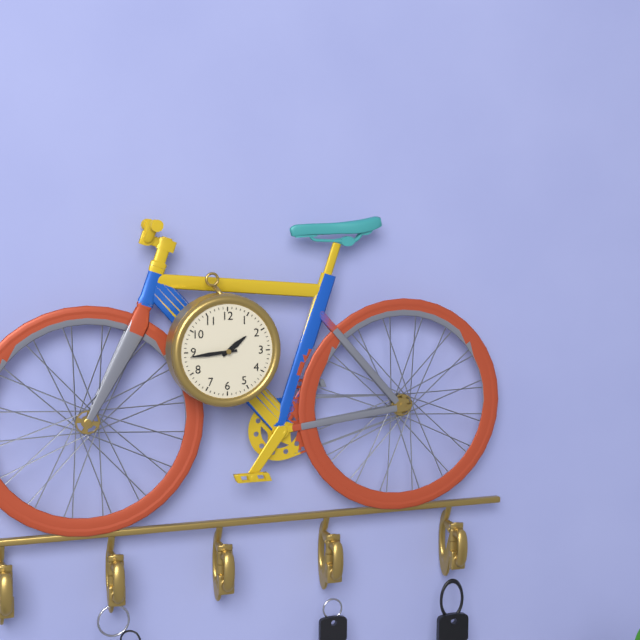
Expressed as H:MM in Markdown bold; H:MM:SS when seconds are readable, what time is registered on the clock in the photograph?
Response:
**1:44**
